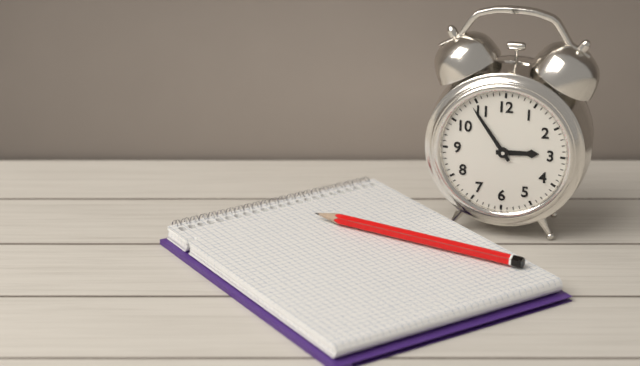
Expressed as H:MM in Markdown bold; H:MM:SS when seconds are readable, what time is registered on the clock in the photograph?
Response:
**2:54**
